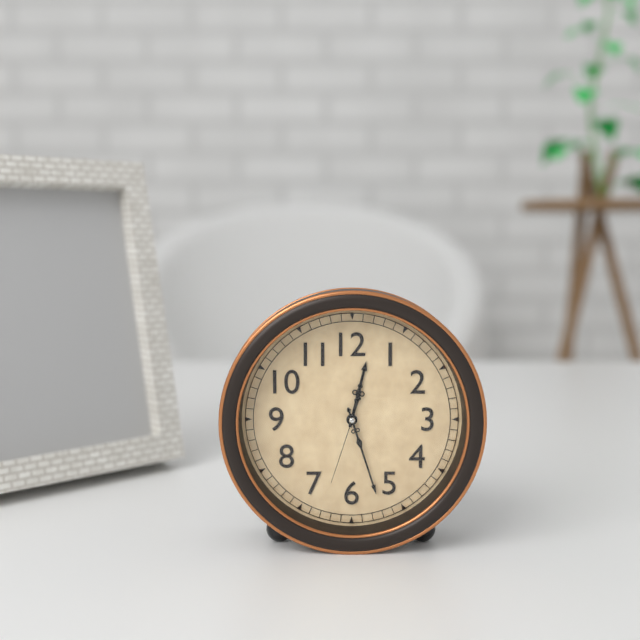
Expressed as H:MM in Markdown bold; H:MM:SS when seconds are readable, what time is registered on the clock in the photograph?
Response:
**12:27:33**
